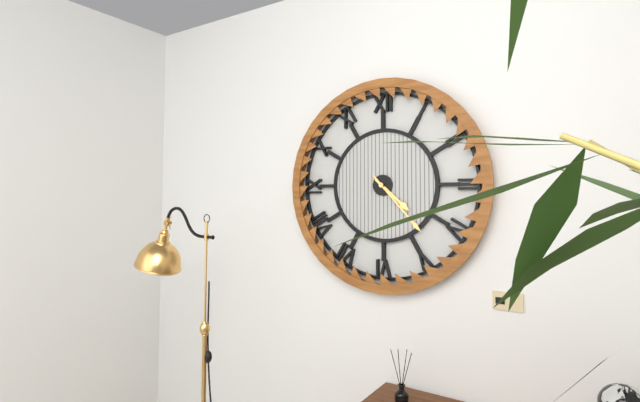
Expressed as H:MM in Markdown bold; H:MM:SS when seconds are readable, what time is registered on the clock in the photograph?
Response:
**4:23**
